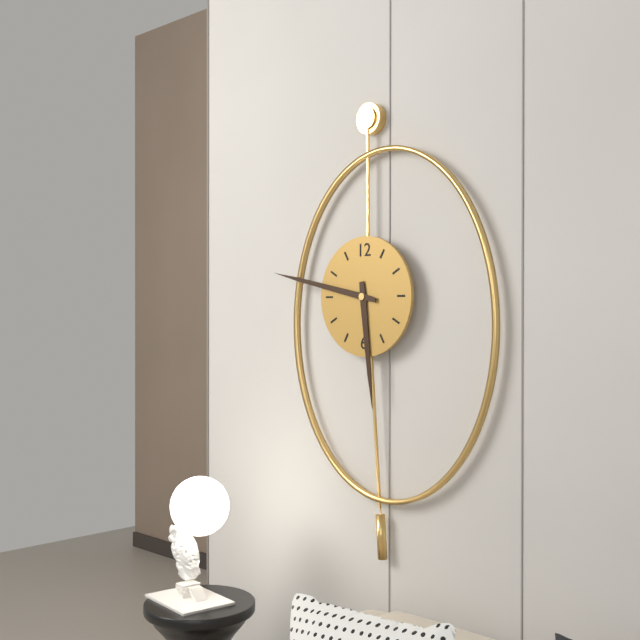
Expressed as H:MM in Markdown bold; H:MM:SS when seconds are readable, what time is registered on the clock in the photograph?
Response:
**5:47**
